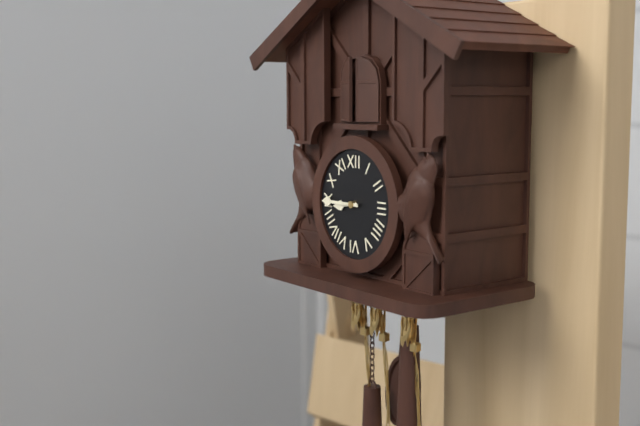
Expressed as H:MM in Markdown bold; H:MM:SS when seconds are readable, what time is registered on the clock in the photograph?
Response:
**8:45**
